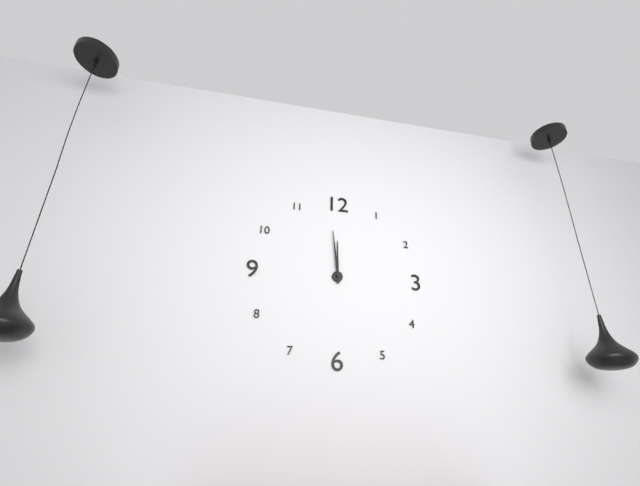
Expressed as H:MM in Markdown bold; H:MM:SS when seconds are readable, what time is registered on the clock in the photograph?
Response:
**11:59**
